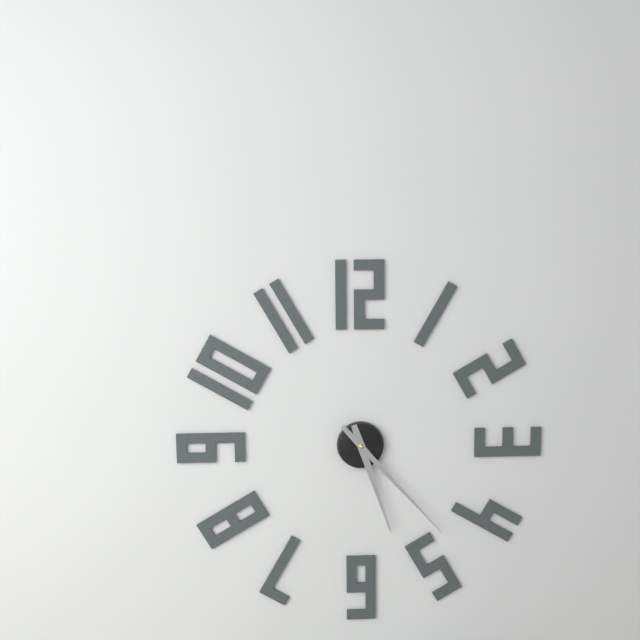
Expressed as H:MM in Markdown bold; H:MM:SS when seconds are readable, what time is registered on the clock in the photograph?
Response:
**5:23**
